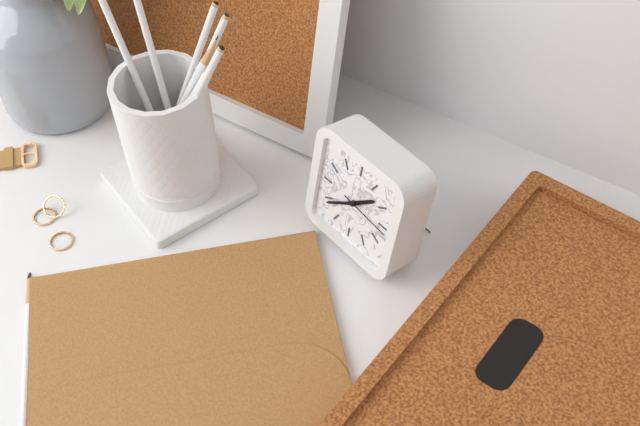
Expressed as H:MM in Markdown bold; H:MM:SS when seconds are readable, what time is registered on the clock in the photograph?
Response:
**1:39:16**
